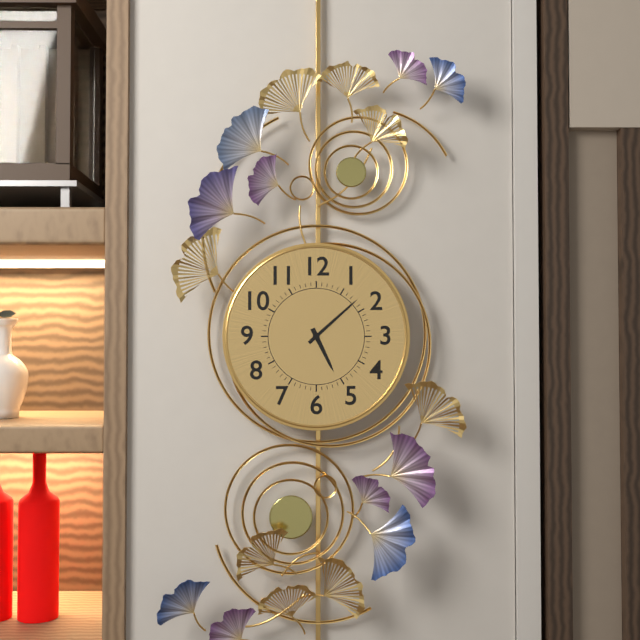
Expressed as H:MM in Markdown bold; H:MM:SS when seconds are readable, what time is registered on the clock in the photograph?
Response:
**5:08**
